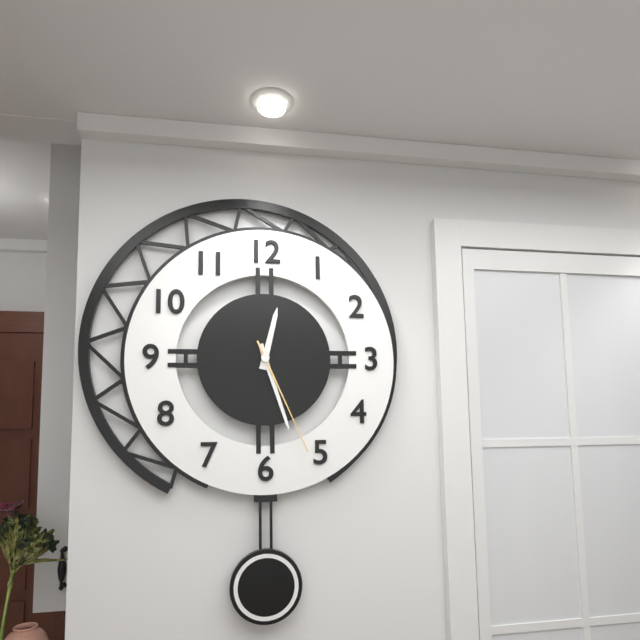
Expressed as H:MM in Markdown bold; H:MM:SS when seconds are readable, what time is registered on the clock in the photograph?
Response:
**12:27:26**
